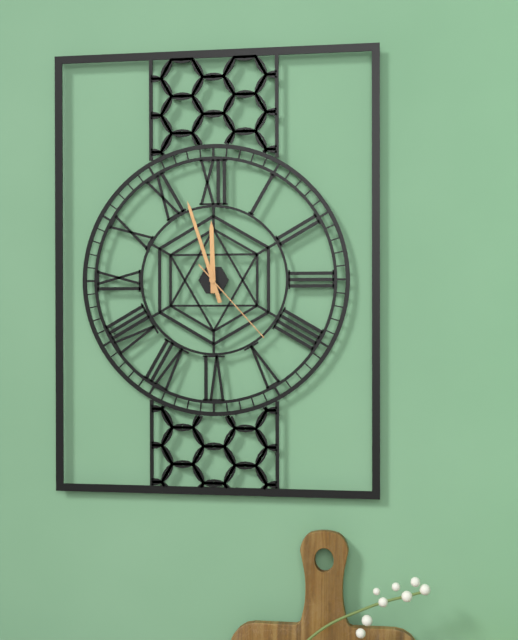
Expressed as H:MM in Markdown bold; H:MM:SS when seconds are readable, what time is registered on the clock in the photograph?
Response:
**11:57:23**
